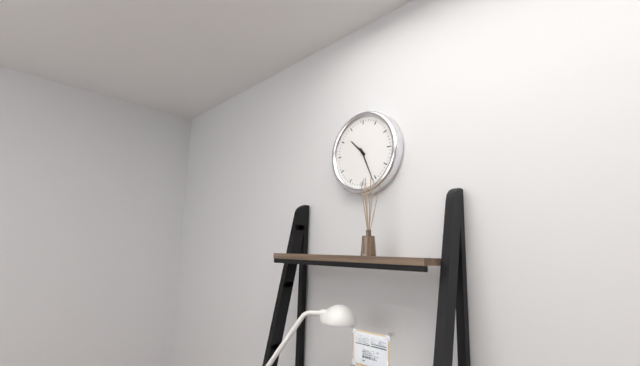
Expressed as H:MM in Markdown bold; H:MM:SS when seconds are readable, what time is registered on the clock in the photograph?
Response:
**10:26**
